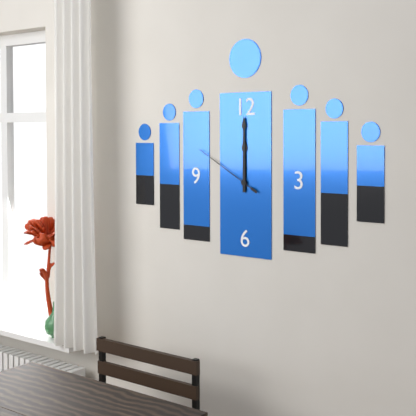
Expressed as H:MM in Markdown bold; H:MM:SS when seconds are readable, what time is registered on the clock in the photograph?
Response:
**12:00:50**
